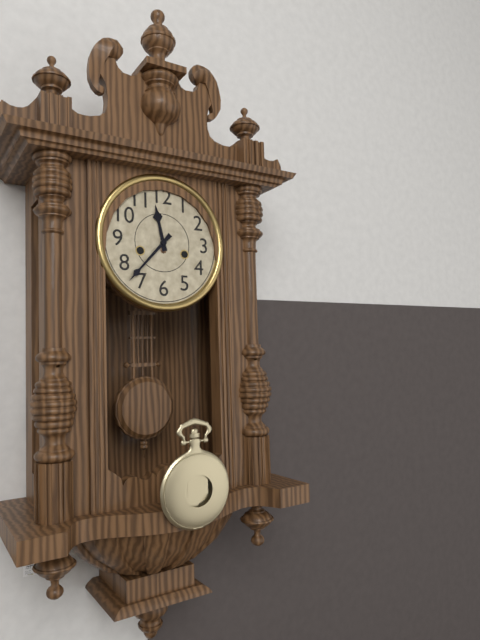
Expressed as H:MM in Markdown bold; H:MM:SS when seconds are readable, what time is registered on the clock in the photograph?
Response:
**11:37**
